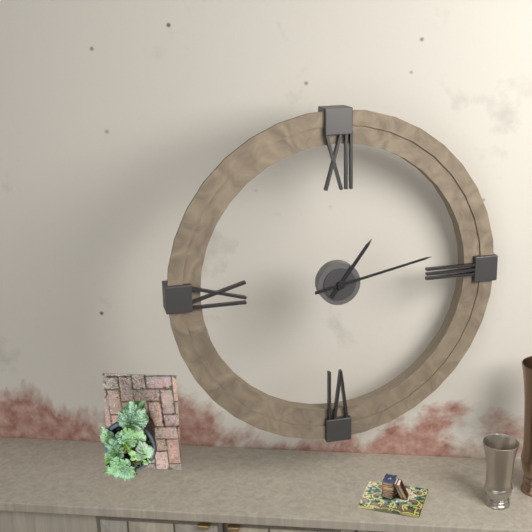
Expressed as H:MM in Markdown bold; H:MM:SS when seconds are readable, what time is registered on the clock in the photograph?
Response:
**1:13**
